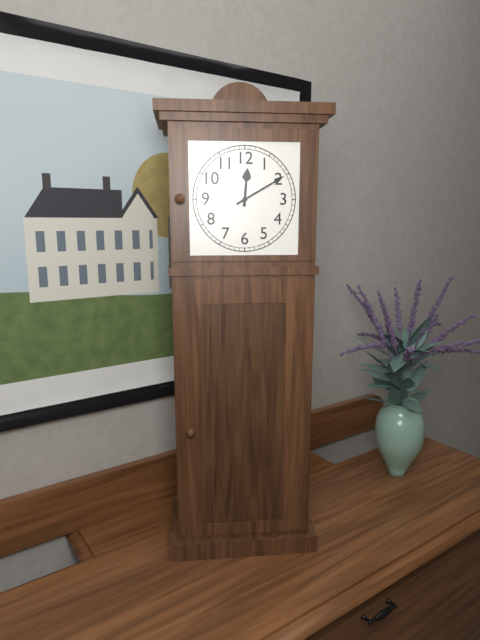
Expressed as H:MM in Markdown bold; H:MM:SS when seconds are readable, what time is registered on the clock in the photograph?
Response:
**12:10**
